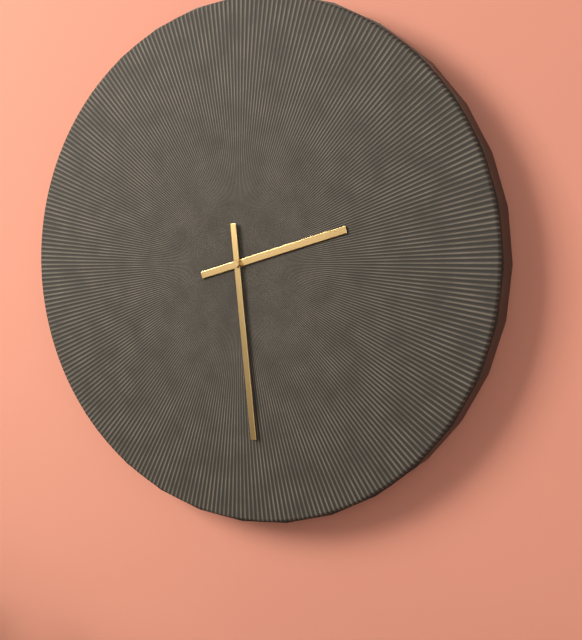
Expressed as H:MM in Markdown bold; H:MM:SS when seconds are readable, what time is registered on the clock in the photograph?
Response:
**2:29**
